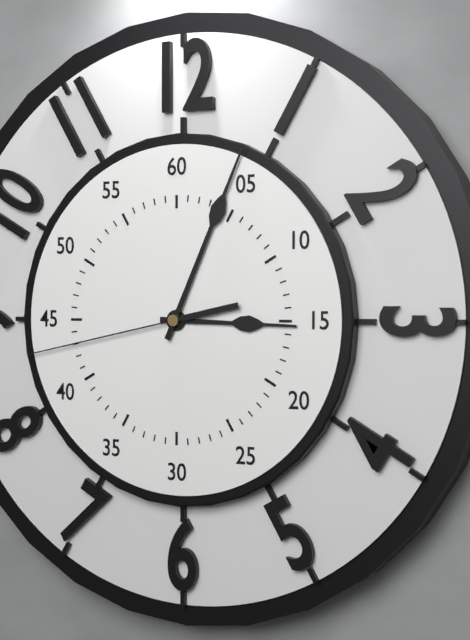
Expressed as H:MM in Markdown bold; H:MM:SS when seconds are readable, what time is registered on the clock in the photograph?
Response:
**3:04:43**
